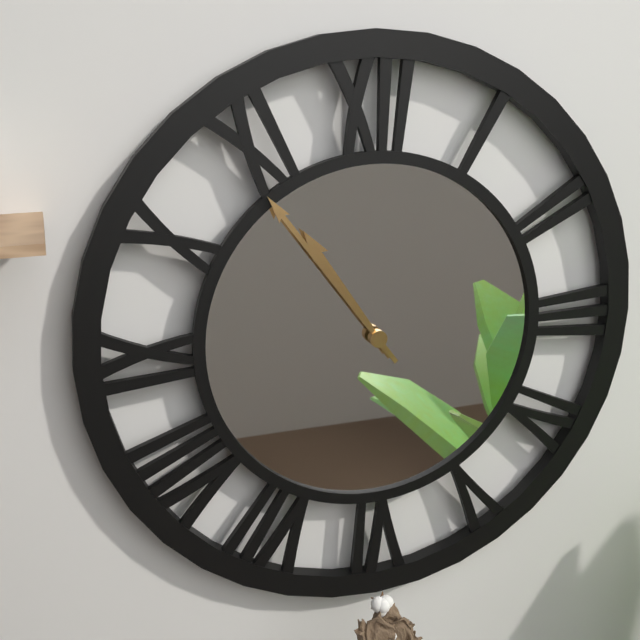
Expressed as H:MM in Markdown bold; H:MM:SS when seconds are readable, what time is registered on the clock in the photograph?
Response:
**10:54**
